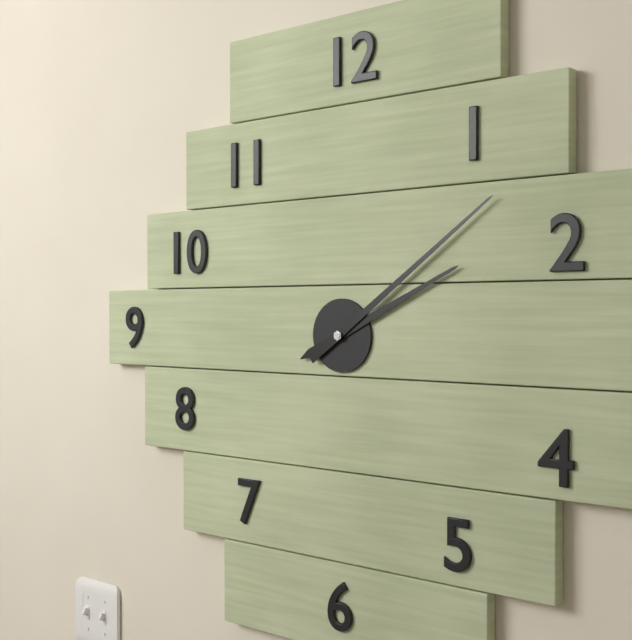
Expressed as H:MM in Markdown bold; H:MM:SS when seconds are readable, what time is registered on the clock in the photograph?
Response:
**2:09**
